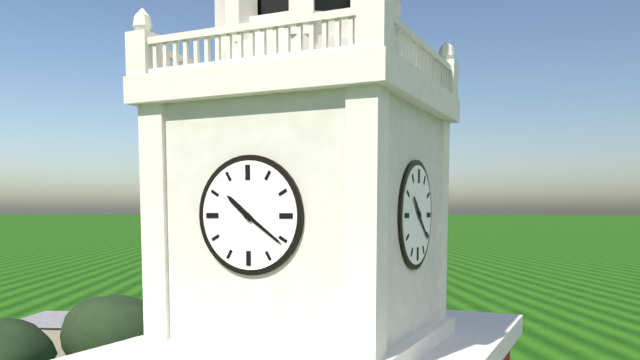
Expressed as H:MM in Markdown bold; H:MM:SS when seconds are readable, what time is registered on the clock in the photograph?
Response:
**10:21**
